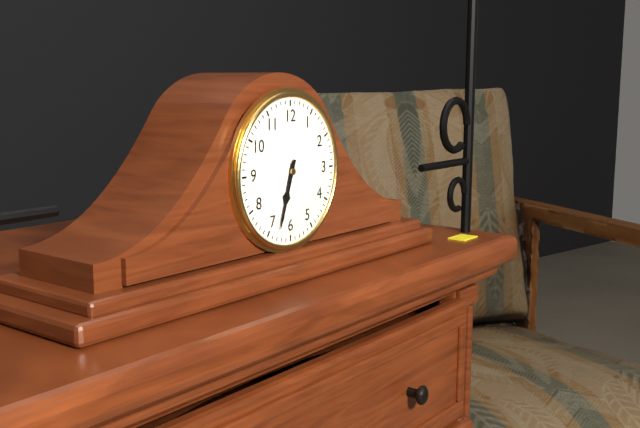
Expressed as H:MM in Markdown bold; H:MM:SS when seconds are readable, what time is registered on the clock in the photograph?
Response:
**6:33**
